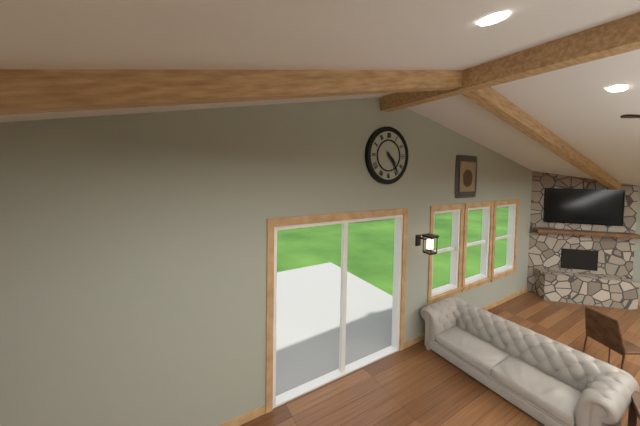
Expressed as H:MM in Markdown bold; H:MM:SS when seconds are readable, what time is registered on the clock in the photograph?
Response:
**4:24**
